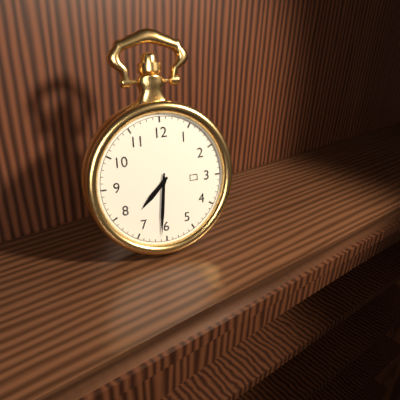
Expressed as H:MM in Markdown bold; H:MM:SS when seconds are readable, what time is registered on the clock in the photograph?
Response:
**7:31**
